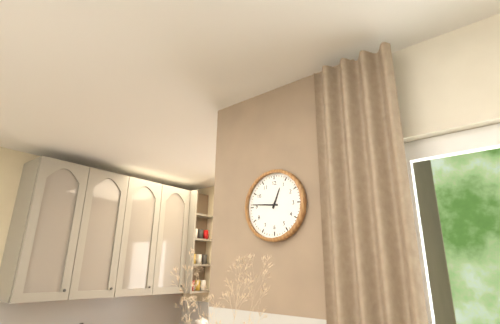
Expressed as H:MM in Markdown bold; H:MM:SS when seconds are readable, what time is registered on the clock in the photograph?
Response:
**12:46**
